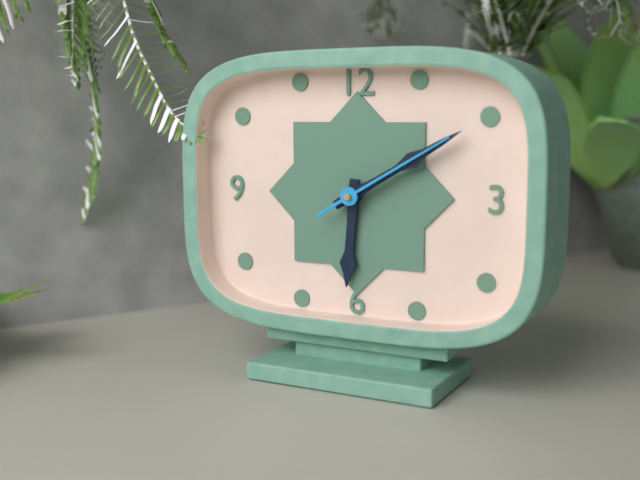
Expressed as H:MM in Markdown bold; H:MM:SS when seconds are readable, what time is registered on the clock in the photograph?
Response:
**6:10:10**
